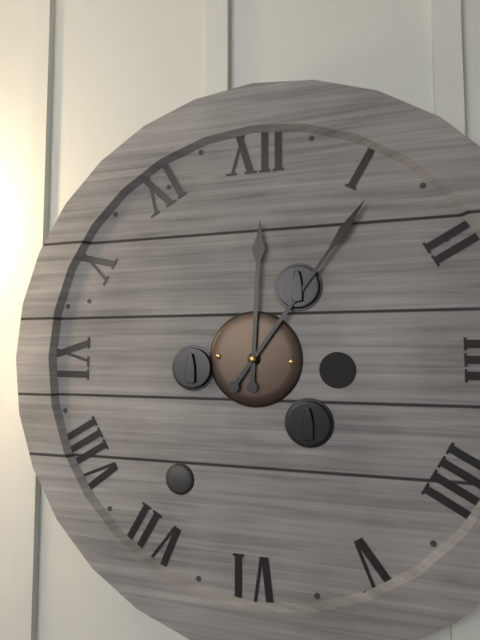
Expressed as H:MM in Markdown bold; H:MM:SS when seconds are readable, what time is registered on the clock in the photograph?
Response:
**12:06**
